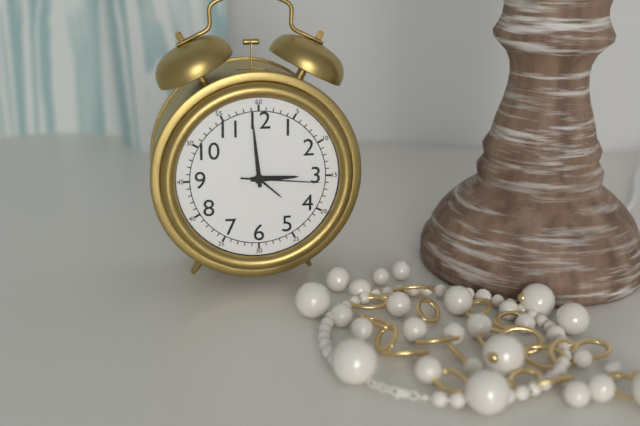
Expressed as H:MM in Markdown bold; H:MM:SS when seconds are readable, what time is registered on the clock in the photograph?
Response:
**2:59:16**
